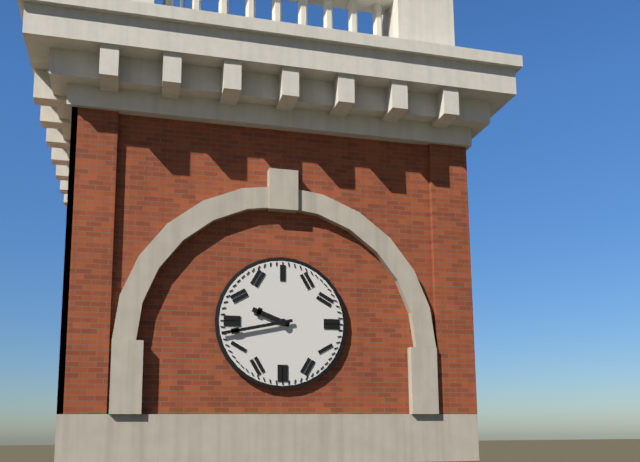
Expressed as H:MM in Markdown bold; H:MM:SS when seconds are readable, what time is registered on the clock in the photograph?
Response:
**9:43**
